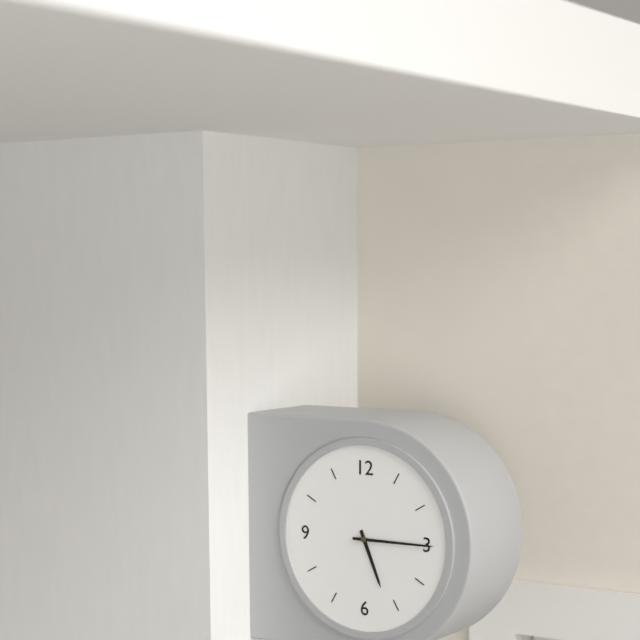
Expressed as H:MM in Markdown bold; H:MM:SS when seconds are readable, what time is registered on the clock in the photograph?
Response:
**5:15**
